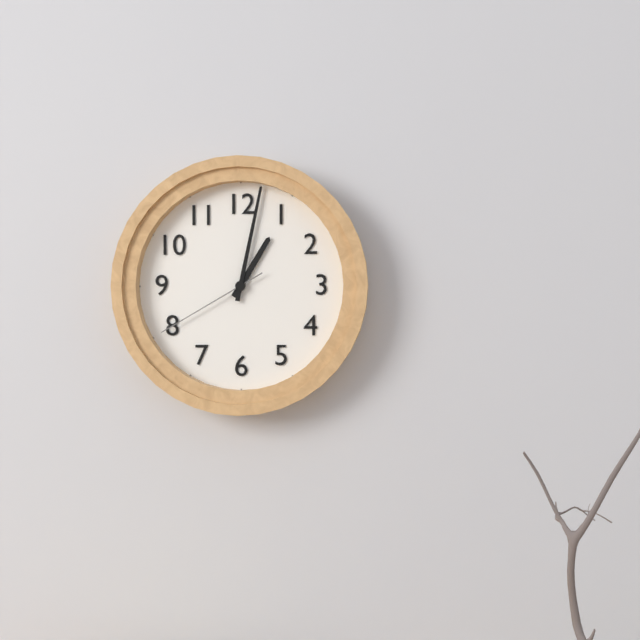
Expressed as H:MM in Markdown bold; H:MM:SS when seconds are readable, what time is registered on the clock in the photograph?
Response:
**1:02:40**
